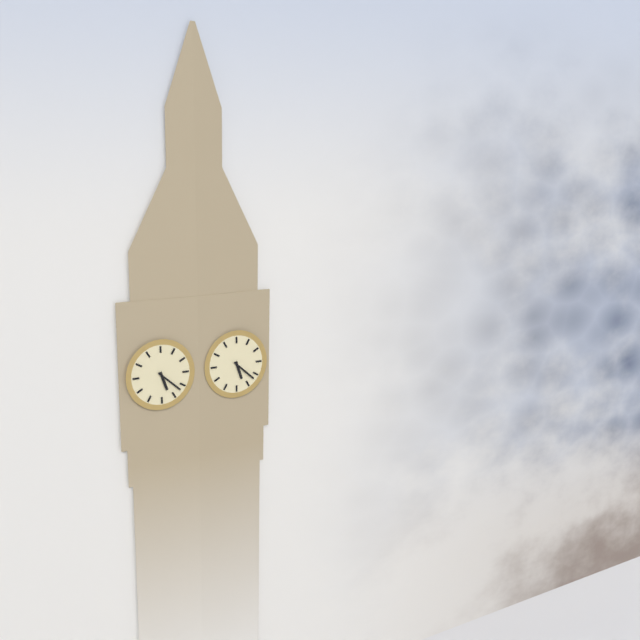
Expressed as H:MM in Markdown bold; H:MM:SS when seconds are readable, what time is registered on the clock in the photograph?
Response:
**5:22**
